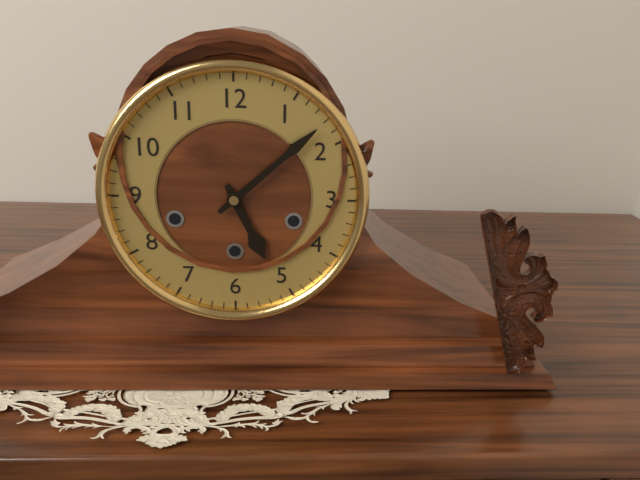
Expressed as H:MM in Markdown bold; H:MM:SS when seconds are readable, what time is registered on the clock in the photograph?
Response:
**5:08**
